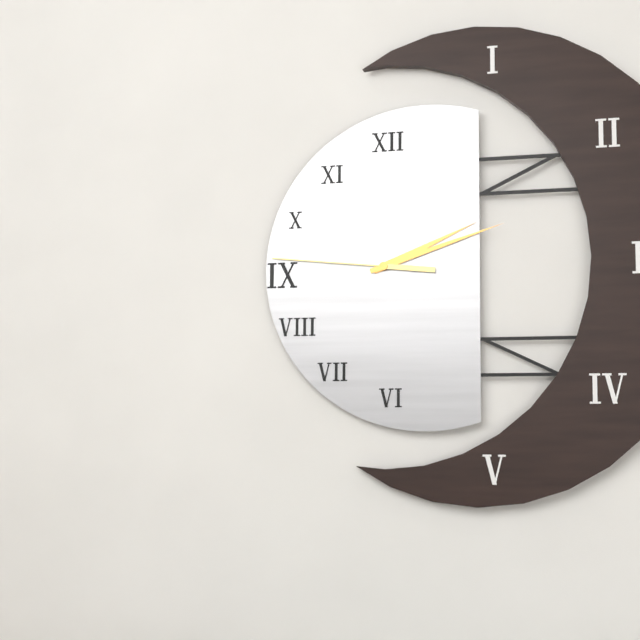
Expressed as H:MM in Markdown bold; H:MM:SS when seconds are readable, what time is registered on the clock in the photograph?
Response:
**2:12:46**
